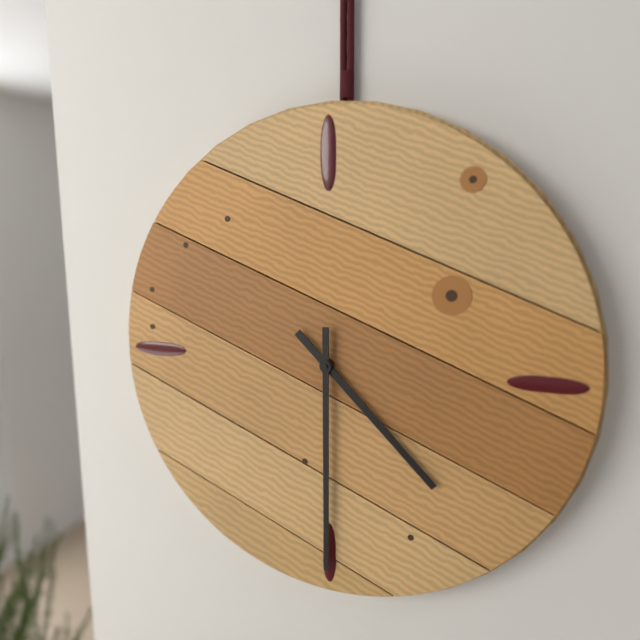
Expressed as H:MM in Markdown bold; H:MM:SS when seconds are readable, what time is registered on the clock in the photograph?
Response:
**4:30**
